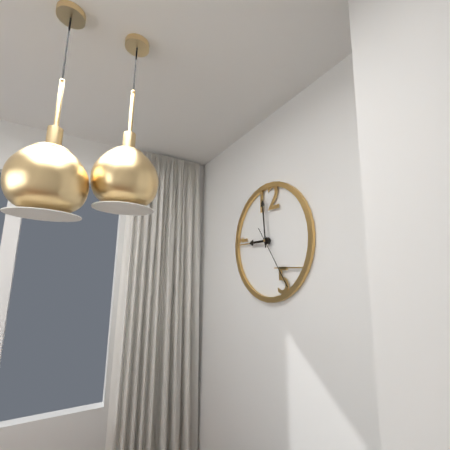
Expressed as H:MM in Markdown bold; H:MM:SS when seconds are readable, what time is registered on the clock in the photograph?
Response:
**8:59:24**
